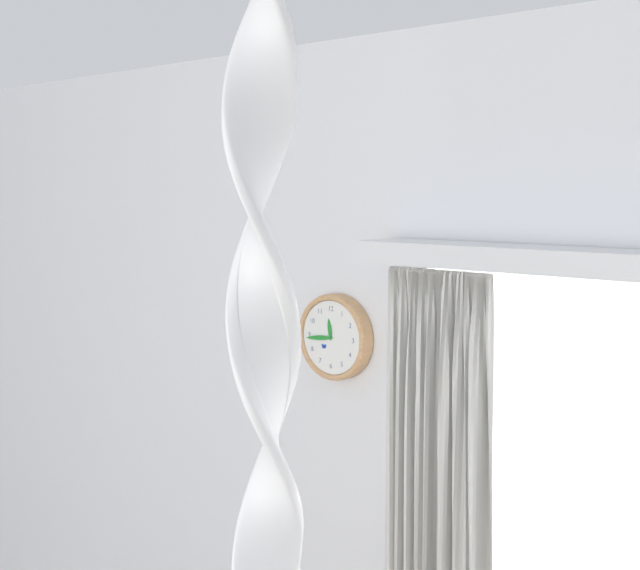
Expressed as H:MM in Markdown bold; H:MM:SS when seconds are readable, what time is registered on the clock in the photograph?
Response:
**11:44**
